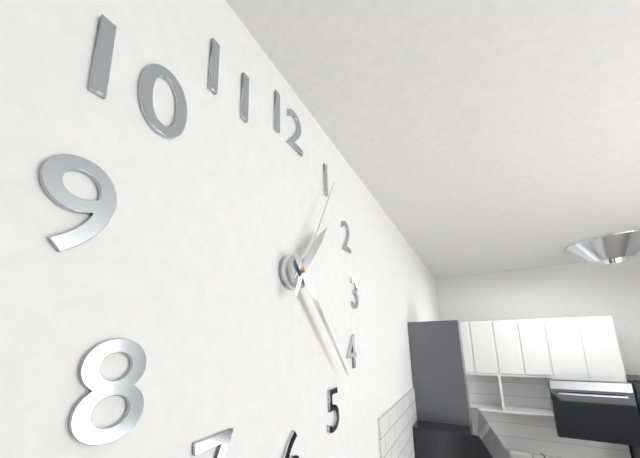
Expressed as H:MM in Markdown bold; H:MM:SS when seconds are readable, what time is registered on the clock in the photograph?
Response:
**1:23:05**
